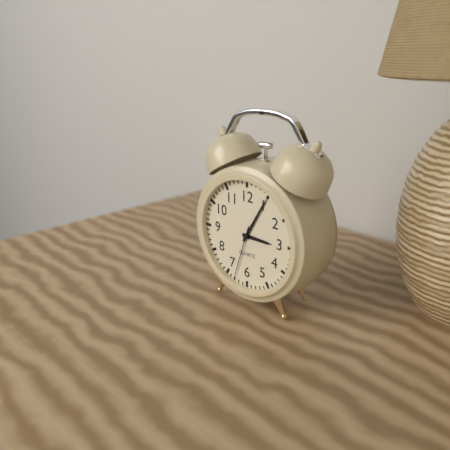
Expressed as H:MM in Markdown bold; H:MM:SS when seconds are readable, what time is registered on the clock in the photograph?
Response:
**3:05:33**
